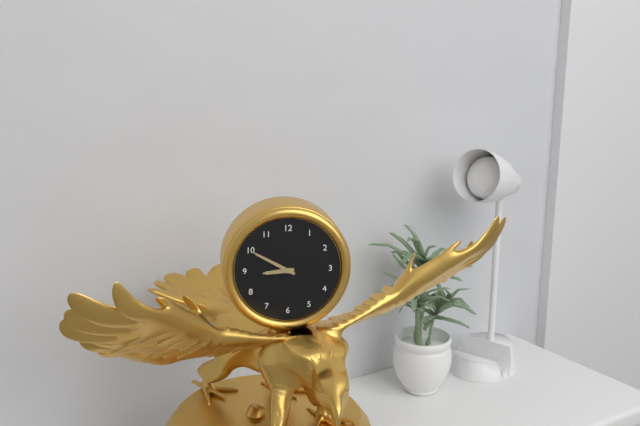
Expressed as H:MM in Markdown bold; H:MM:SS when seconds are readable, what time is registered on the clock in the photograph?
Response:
**8:50**
